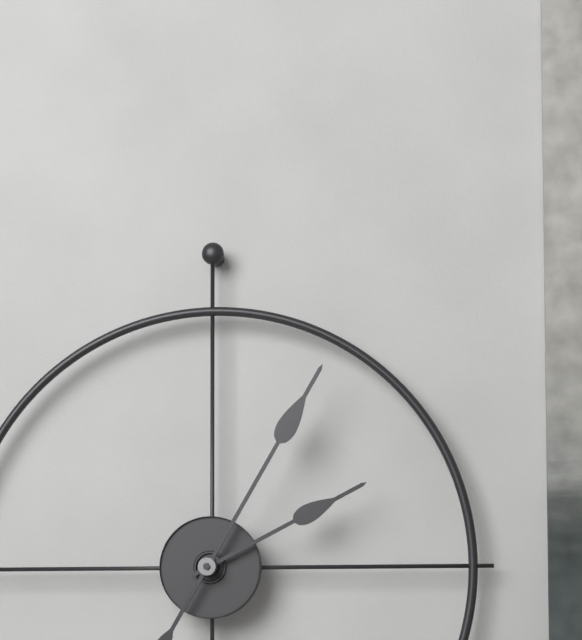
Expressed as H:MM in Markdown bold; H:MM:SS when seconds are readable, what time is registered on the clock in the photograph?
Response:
**2:05**
